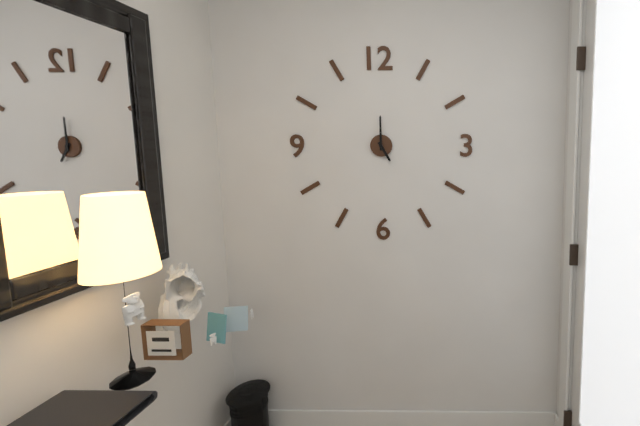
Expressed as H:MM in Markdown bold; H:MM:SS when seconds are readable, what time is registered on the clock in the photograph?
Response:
**5:00**
